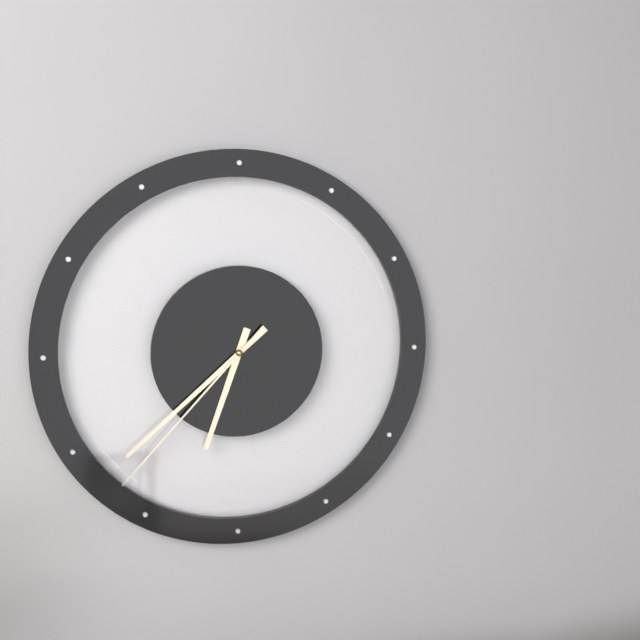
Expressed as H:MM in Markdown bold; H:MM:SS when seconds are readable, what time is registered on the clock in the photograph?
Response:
**6:38:37**
